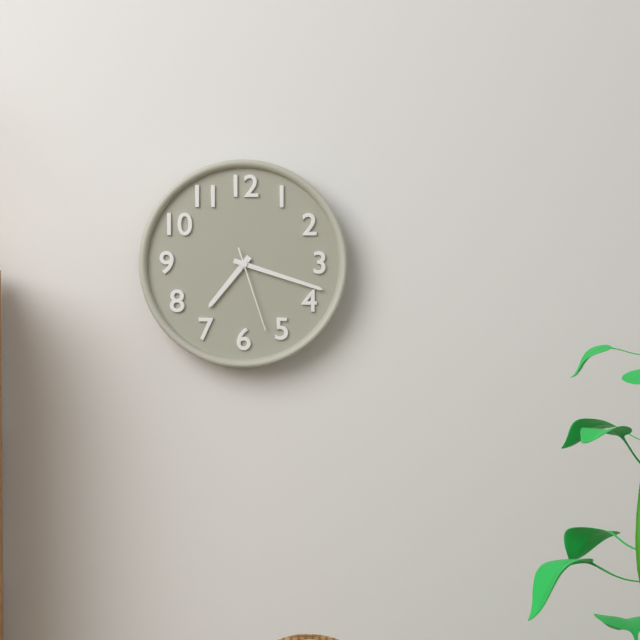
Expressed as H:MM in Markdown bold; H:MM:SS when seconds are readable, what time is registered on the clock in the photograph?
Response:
**7:18:27**
